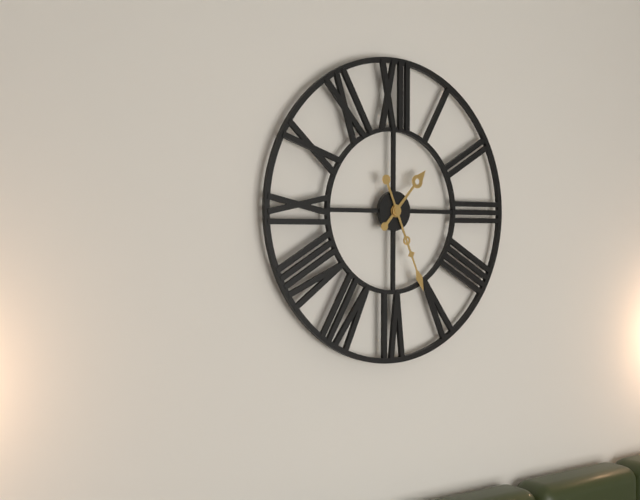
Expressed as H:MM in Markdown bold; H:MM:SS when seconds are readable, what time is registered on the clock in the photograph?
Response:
**1:26**
